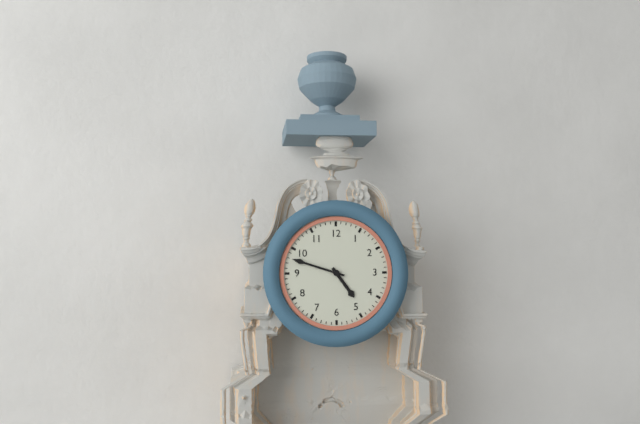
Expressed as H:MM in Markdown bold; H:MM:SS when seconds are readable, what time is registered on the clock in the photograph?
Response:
**4:48**
